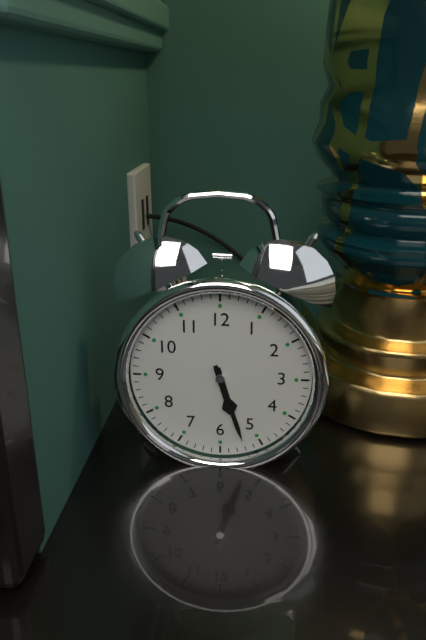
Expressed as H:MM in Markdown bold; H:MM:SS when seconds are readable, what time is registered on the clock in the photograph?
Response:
**5:27**
